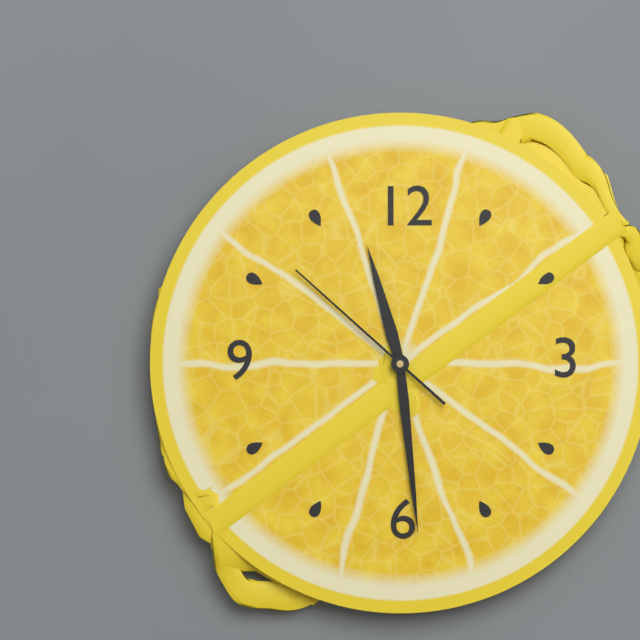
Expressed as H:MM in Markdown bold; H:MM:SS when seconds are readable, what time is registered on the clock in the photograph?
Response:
**11:29:52**
